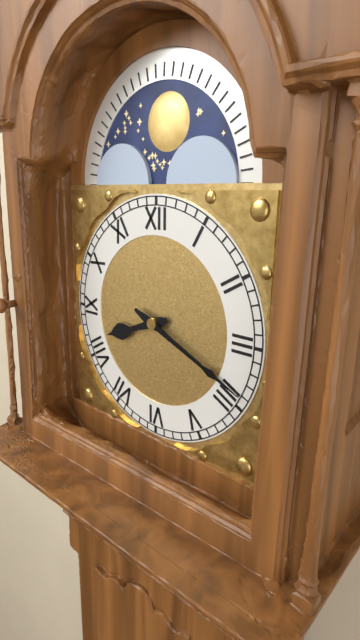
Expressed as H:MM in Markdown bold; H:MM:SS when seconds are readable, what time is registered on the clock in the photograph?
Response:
**8:19**
